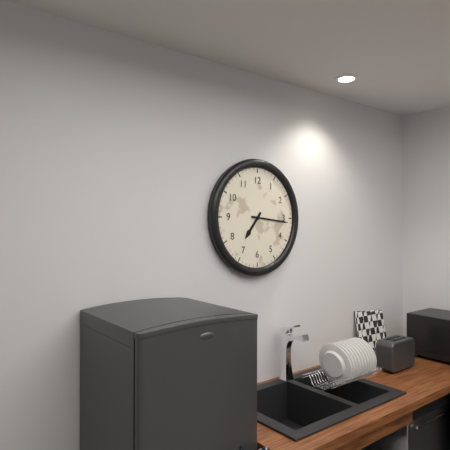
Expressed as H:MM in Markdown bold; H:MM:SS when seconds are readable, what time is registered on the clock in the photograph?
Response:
**7:16**
